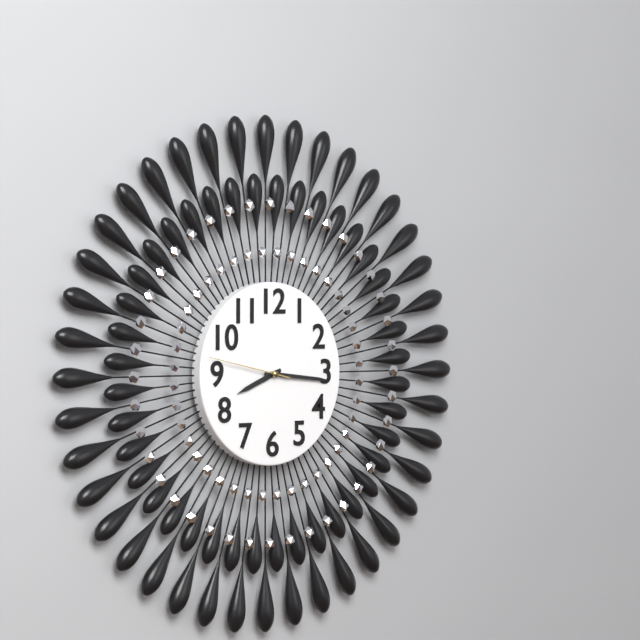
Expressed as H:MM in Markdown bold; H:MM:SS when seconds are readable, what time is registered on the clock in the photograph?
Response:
**8:16:47**
